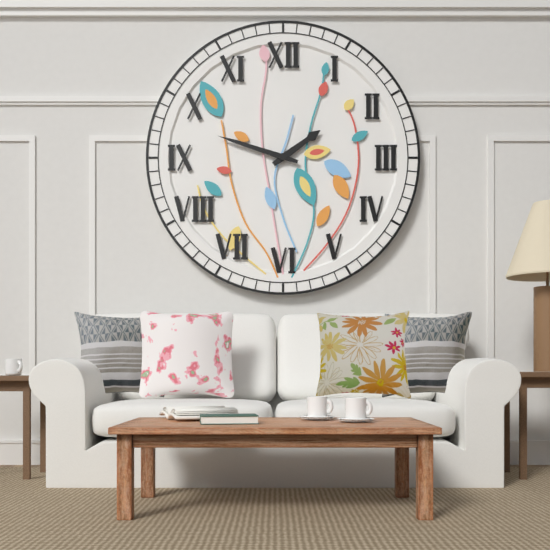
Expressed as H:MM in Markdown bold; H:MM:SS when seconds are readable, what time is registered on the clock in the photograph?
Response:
**1:48**
